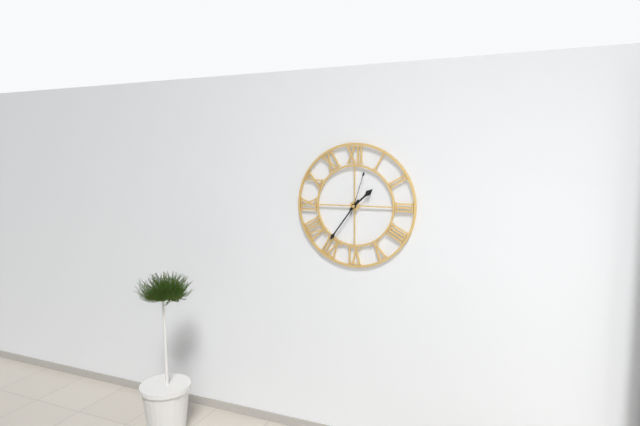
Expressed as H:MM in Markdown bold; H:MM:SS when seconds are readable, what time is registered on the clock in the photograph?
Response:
**1:36**
